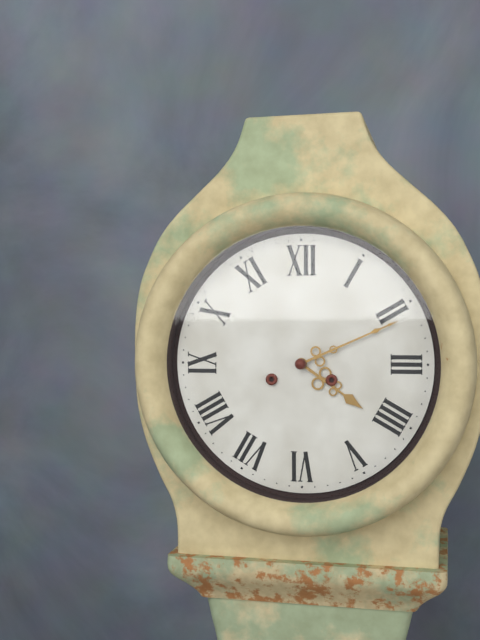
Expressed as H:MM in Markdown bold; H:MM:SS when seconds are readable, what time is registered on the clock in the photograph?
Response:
**4:11**
